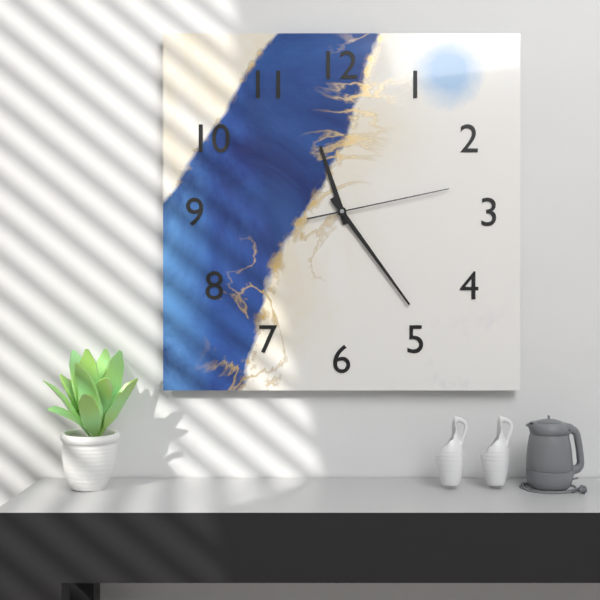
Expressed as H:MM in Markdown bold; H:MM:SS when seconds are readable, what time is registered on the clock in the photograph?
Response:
**11:24:13**
